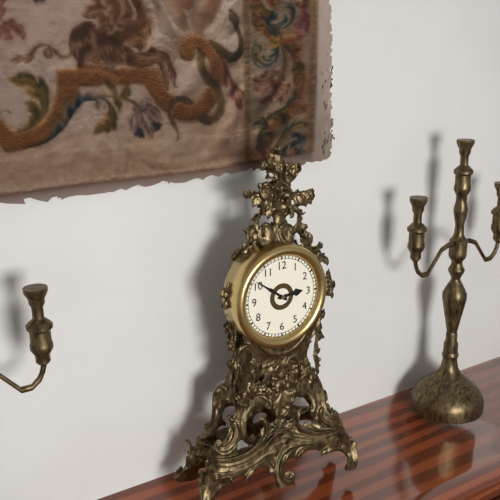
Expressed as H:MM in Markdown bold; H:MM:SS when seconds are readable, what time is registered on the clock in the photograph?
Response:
**2:51**
